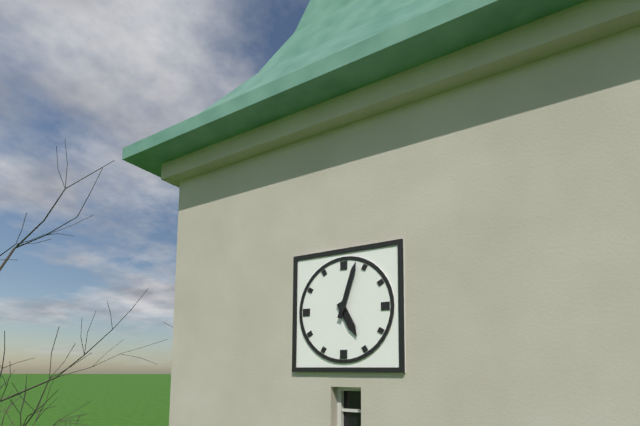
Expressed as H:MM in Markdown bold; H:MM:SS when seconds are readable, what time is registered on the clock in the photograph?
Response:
**5:03**
